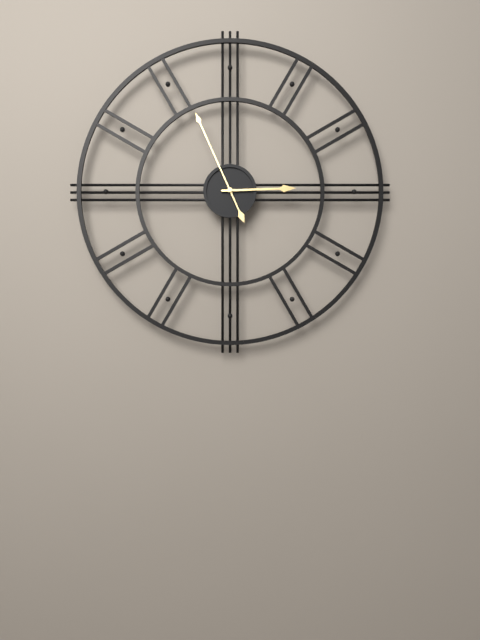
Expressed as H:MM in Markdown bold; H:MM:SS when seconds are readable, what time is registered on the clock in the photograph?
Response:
**2:56**
